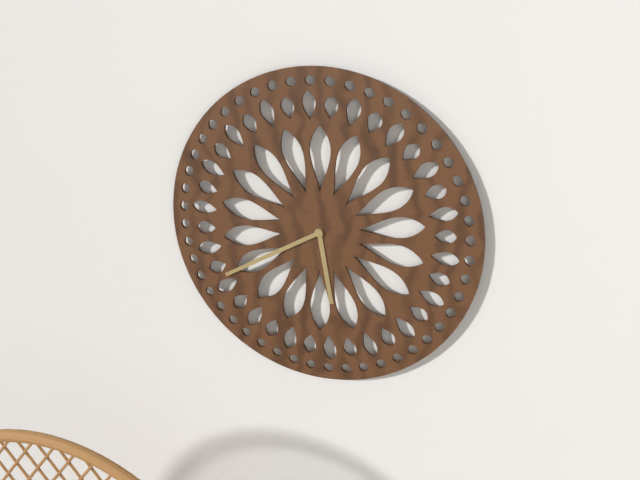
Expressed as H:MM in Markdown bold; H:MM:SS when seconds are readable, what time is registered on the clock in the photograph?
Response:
**5:40**
